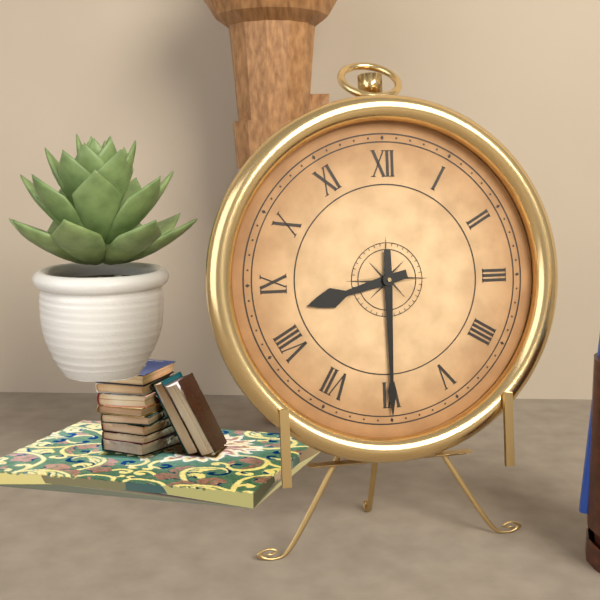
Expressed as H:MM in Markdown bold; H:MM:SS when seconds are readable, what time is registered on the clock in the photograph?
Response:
**8:30**
